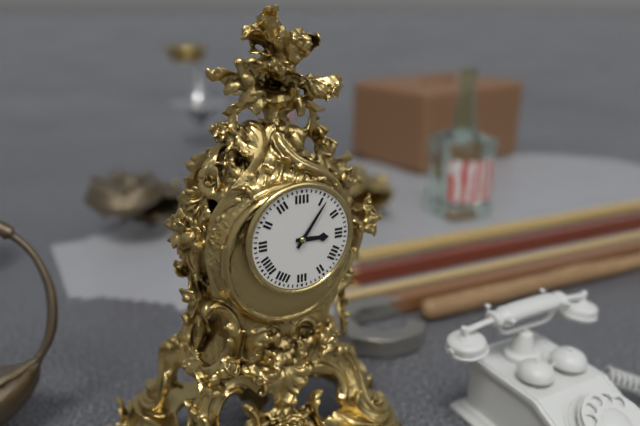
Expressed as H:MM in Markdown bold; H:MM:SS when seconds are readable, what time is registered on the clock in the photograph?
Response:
**3:06**
